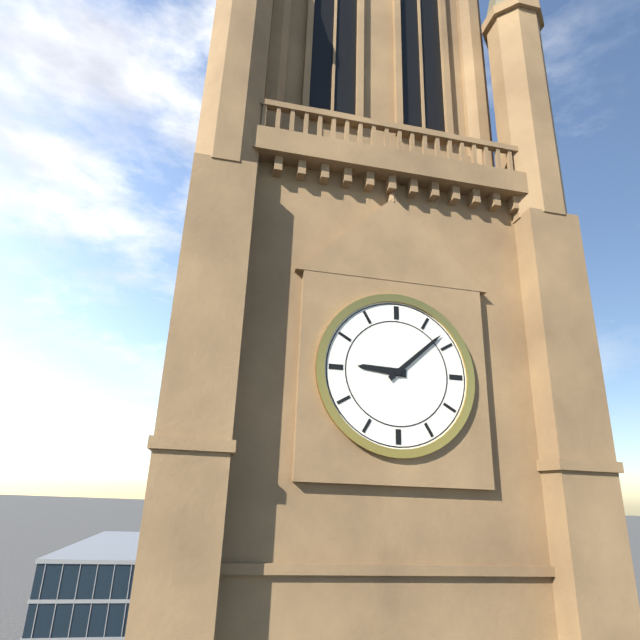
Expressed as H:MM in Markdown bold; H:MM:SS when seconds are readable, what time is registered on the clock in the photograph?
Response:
**9:08**
